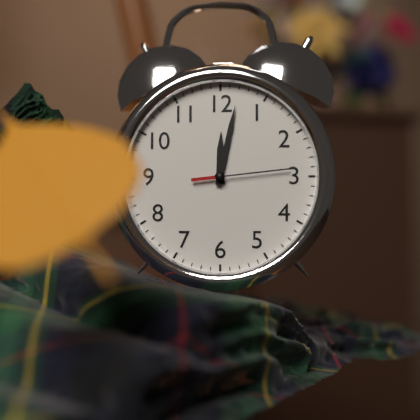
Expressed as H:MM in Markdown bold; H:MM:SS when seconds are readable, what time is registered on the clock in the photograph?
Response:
**12:02:14**
